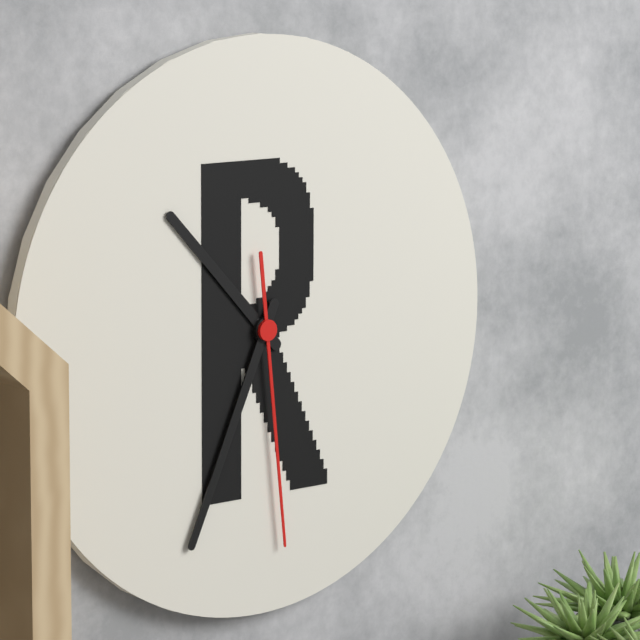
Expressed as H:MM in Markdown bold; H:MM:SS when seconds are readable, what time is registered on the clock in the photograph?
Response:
**10:34:29**
